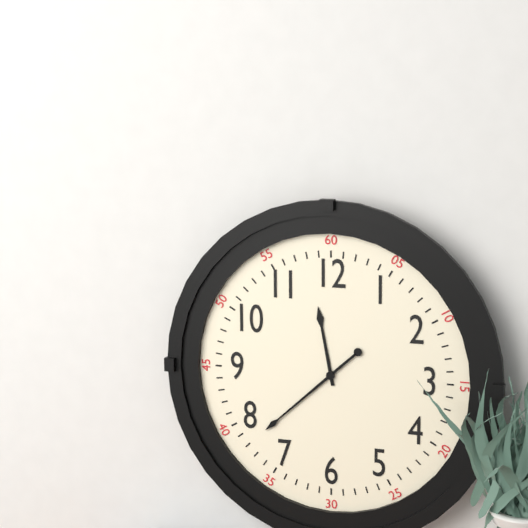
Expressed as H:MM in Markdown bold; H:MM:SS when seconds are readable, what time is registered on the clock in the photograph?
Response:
**11:38**
